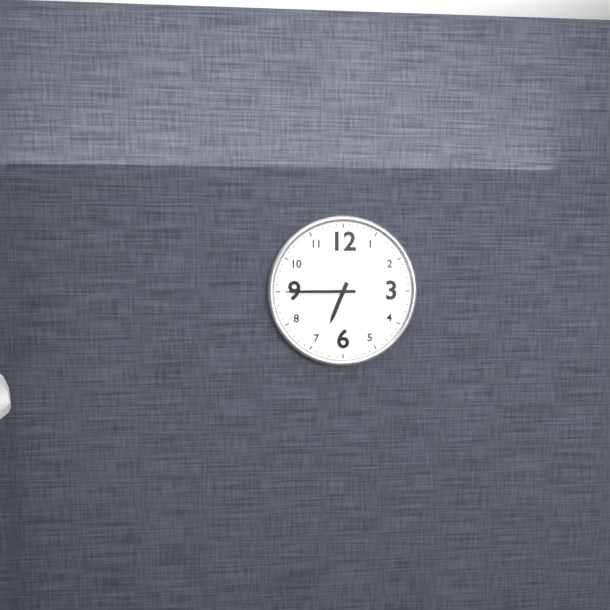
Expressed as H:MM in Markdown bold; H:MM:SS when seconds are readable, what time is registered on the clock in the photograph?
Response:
**6:45**
